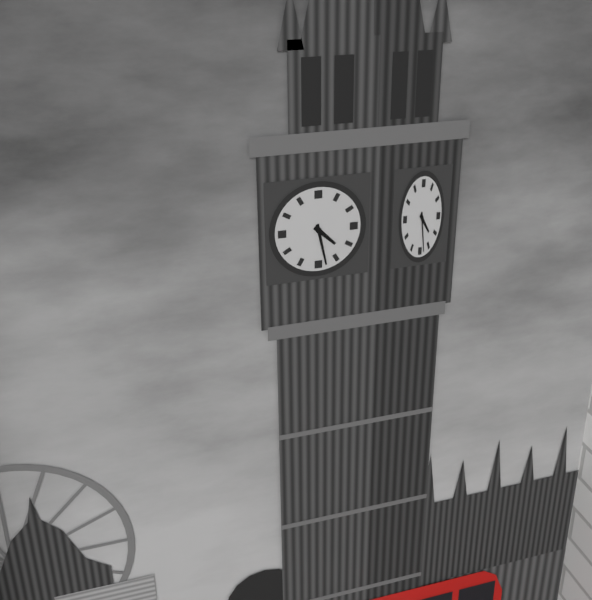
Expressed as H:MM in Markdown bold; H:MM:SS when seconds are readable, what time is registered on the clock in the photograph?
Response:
**4:28**
